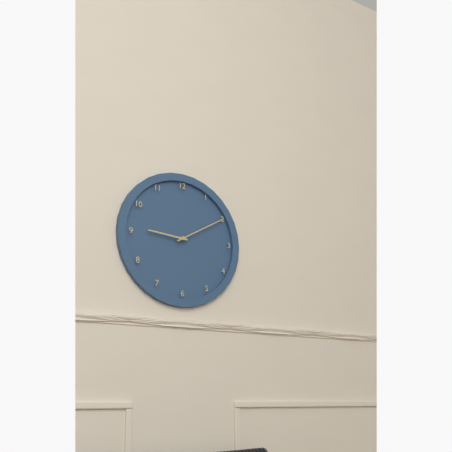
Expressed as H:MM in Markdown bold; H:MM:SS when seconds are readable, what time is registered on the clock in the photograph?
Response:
**9:10**
